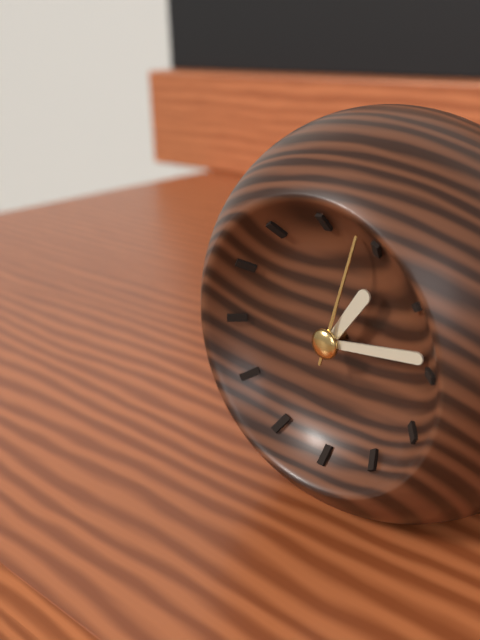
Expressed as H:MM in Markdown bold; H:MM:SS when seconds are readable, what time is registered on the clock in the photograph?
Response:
**1:14:03**
